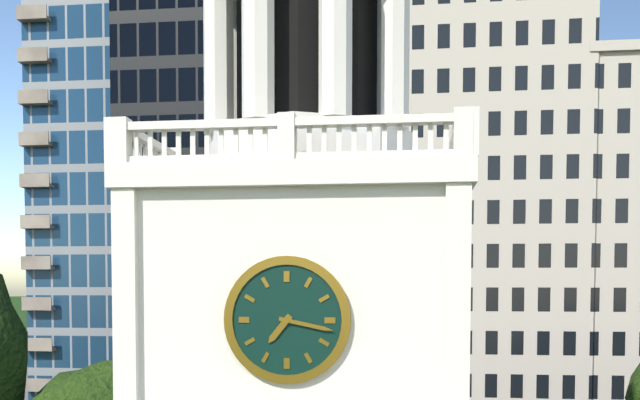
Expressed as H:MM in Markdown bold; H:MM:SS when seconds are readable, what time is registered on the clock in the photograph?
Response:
**7:17**
